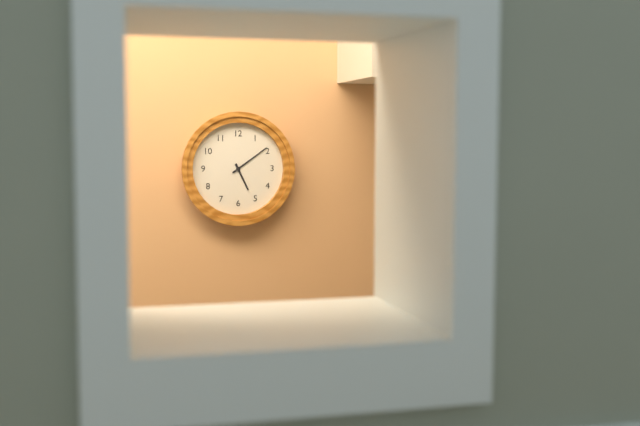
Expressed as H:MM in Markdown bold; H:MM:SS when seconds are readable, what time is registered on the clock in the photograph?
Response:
**5:09**
